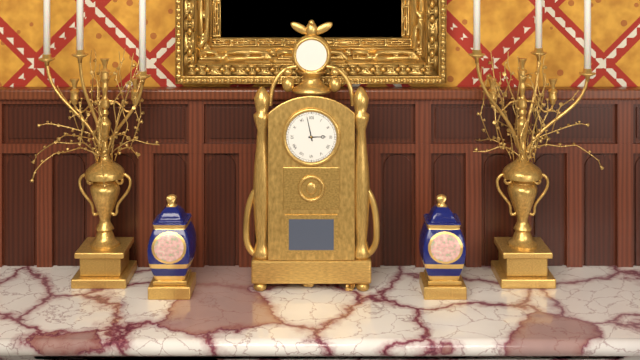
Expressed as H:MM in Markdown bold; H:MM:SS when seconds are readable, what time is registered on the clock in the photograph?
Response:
**2:58**
